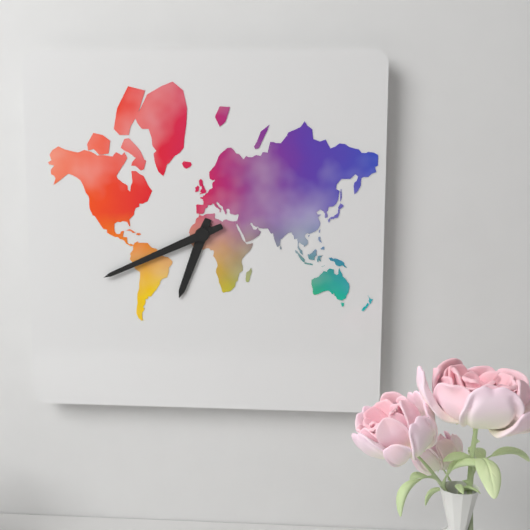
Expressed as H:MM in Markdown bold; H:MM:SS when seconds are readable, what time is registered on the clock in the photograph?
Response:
**6:41**
